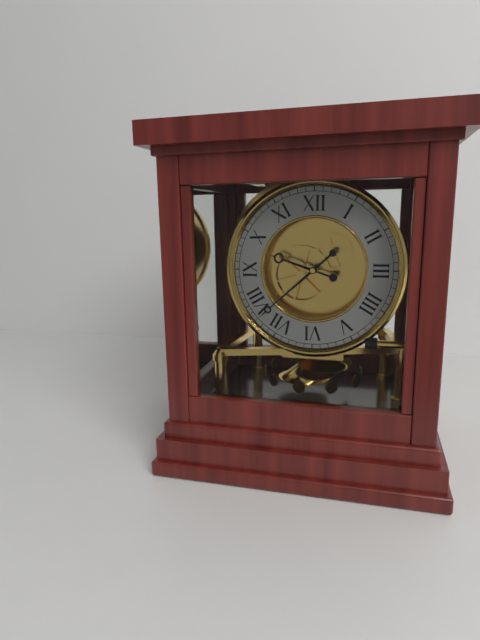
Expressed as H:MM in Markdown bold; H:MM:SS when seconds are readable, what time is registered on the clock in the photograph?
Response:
**9:38**
